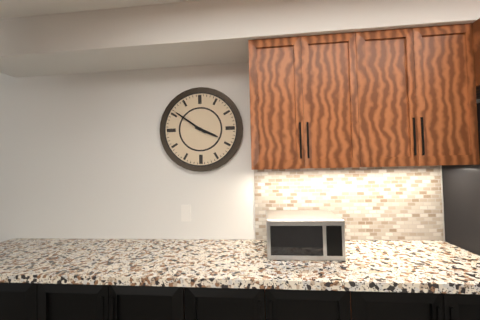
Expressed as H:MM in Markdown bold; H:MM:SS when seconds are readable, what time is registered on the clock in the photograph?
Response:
**3:51**
